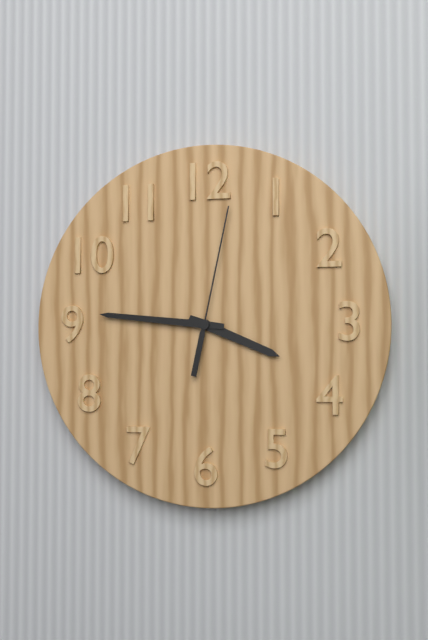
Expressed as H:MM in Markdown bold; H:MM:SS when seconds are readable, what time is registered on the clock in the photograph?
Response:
**3:46:02**
